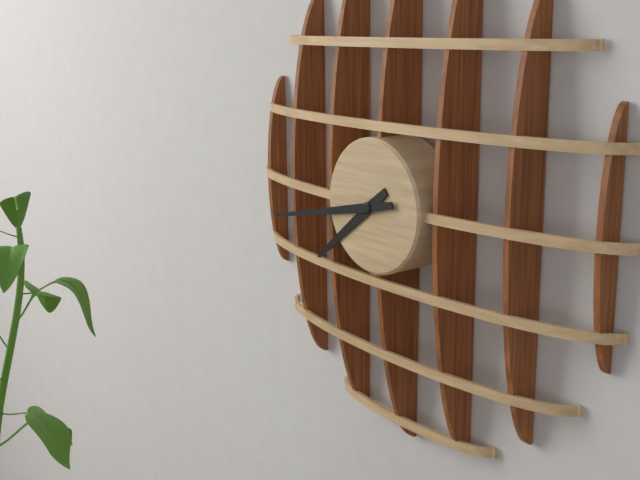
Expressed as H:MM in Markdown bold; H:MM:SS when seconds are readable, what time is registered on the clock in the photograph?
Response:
**7:43**
